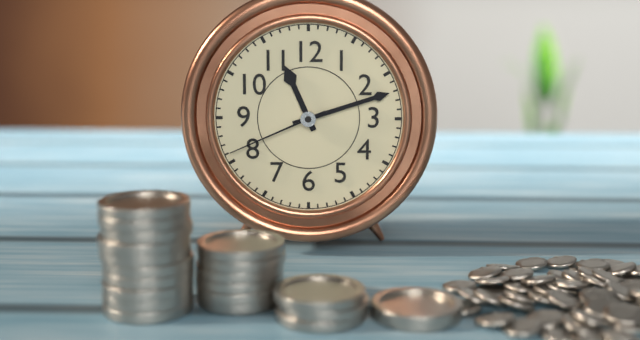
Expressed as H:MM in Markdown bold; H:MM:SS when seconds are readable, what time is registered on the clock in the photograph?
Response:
**11:12:41**
